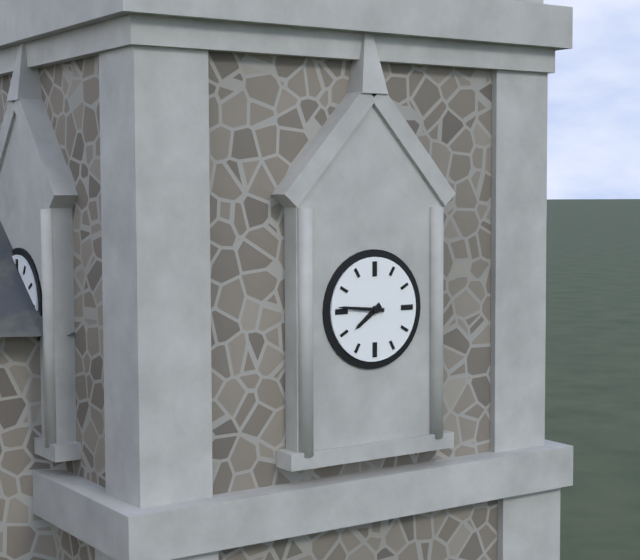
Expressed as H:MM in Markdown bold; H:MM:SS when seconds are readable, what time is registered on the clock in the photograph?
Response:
**7:46**
